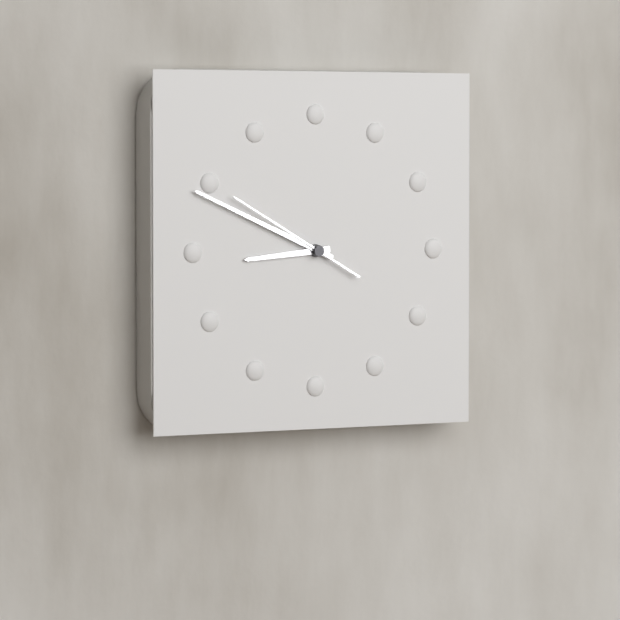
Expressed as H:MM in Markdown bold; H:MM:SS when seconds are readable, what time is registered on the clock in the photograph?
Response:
**8:49:50**
